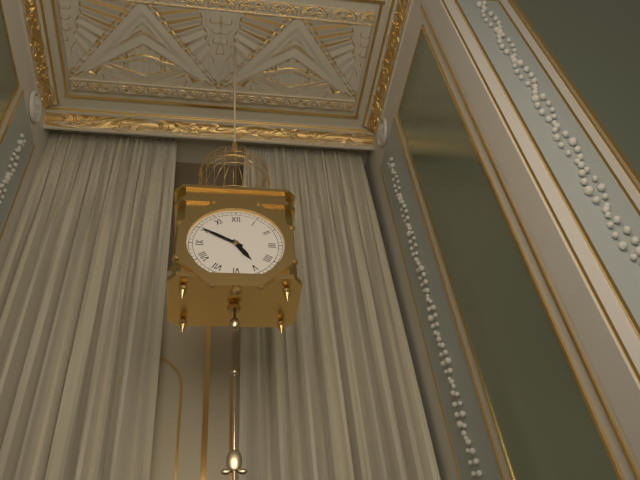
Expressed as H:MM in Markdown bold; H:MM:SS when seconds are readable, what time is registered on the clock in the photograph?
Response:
**4:50**
